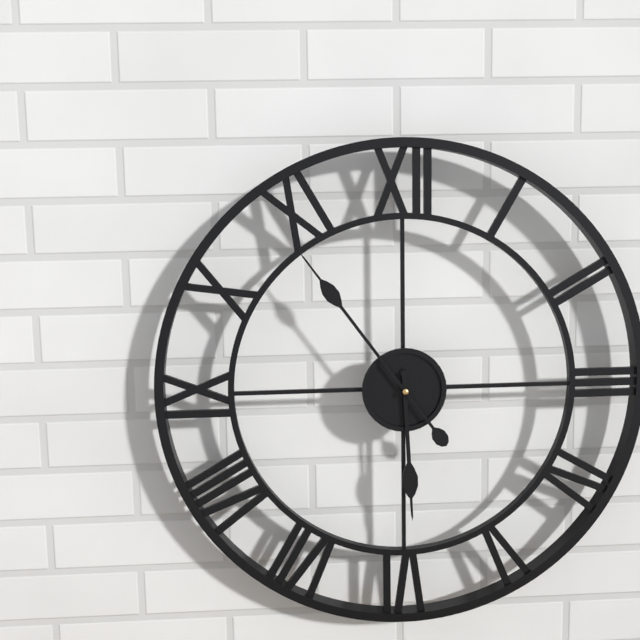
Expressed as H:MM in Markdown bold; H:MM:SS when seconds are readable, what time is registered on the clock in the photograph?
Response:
**5:54**
